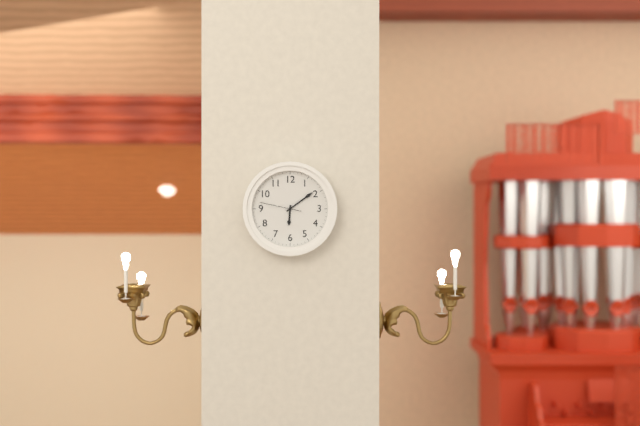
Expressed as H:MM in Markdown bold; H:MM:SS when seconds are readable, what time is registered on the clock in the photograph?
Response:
**6:09**
